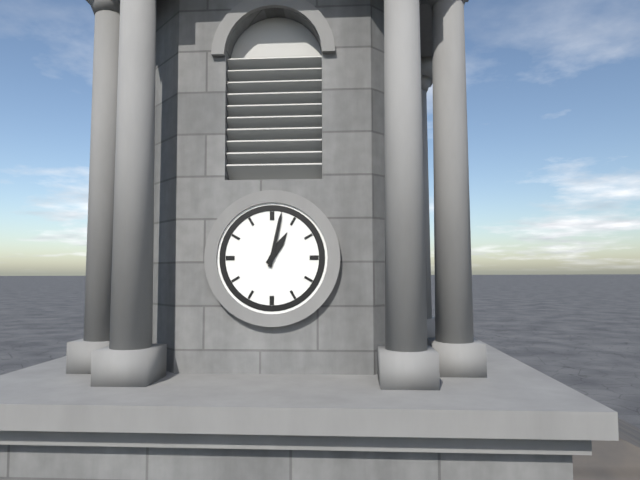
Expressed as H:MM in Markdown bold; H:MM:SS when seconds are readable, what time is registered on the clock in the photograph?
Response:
**1:02**
